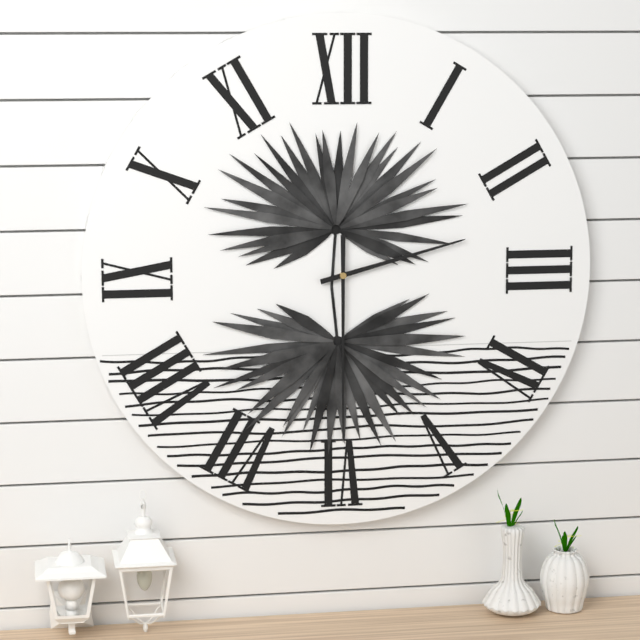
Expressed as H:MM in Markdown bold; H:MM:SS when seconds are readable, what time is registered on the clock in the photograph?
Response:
**2:30**
